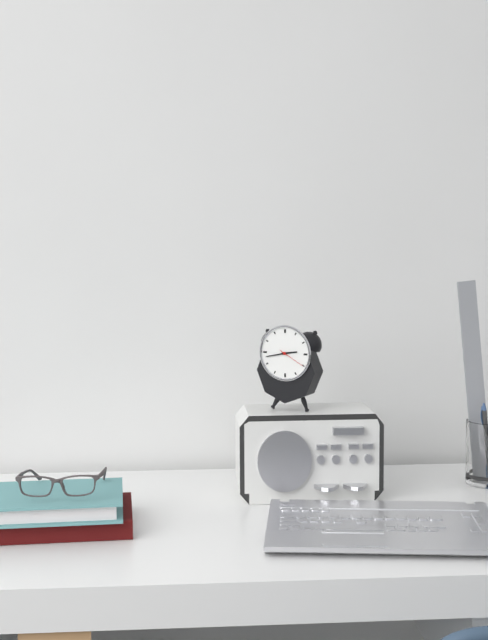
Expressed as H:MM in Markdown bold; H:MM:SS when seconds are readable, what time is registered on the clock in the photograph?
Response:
**2:43**
